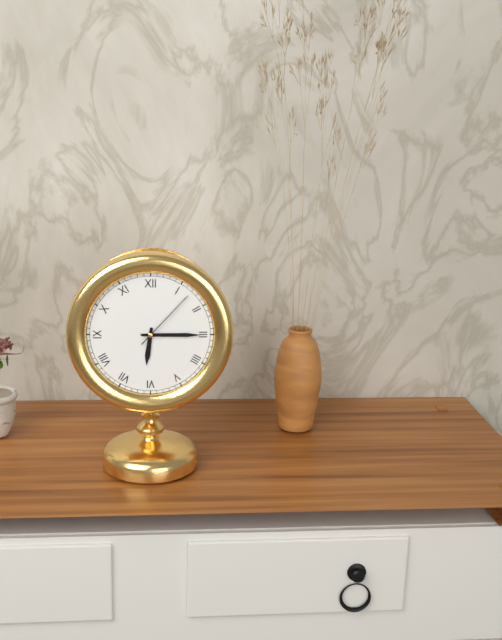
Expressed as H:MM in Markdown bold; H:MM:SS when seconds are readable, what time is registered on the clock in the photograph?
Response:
**6:15:07**
